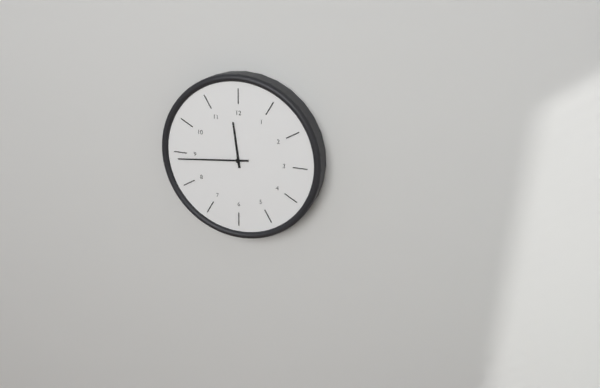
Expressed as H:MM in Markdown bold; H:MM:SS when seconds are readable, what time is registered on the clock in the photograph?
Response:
**11:44**
